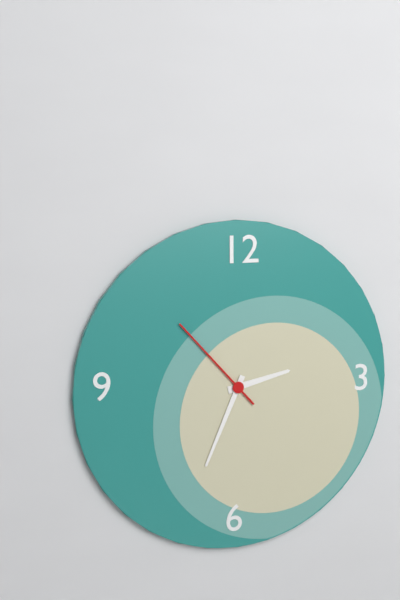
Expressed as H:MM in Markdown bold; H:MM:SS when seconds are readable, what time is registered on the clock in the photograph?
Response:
**2:34:53**
